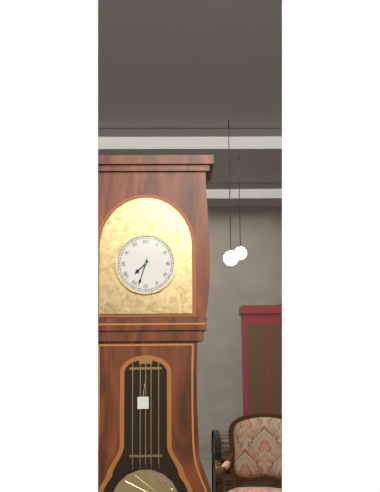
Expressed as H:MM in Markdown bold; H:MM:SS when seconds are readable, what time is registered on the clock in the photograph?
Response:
**7:33**
